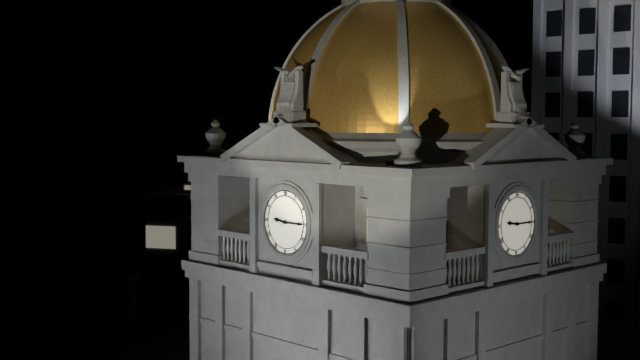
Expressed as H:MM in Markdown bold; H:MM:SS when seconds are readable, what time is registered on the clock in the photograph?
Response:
**9:15**
